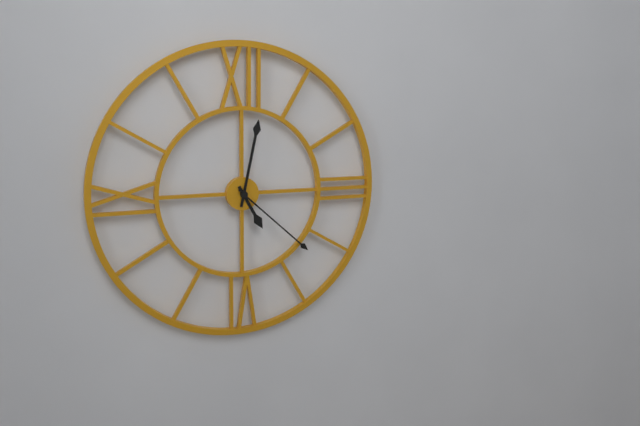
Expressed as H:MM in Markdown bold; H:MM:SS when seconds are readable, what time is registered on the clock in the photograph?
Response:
**5:02:22**
